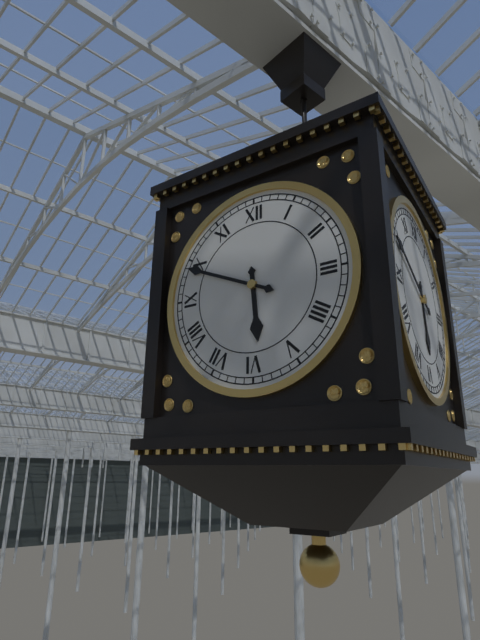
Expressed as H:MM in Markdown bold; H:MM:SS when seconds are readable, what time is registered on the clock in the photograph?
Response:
**5:49**
